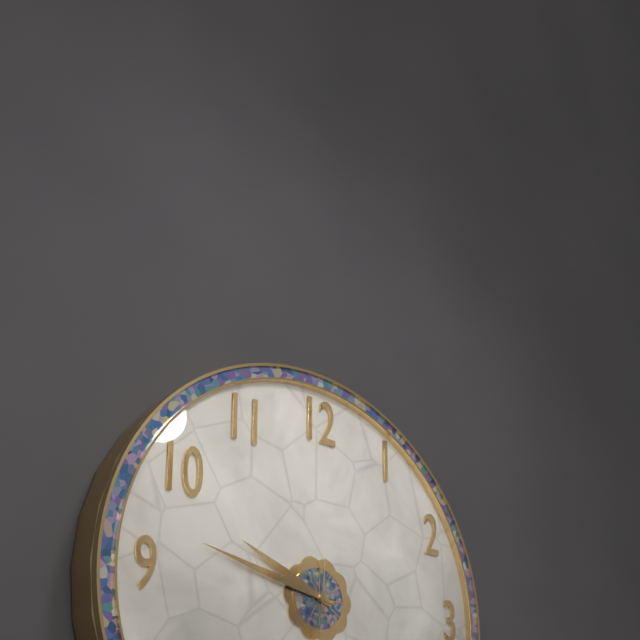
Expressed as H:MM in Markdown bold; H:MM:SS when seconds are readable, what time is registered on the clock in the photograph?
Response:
**9:47**
